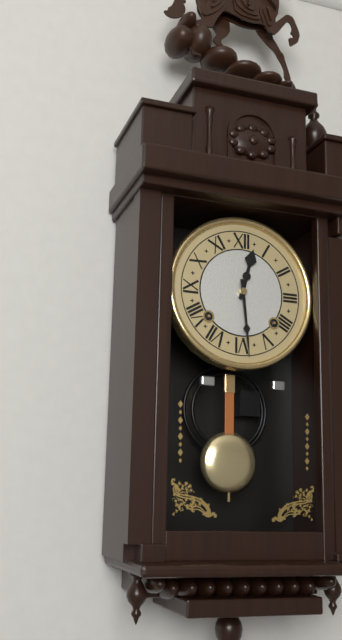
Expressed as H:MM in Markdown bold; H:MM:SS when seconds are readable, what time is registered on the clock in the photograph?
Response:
**12:29**
